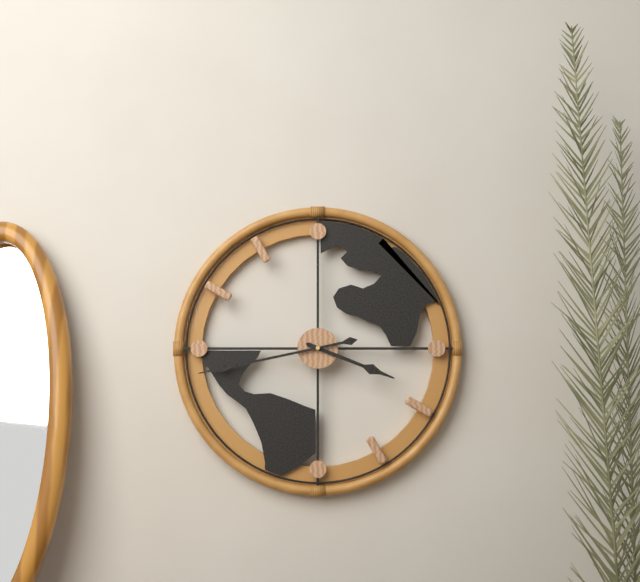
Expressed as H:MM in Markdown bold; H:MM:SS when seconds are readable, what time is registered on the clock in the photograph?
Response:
**3:43**
